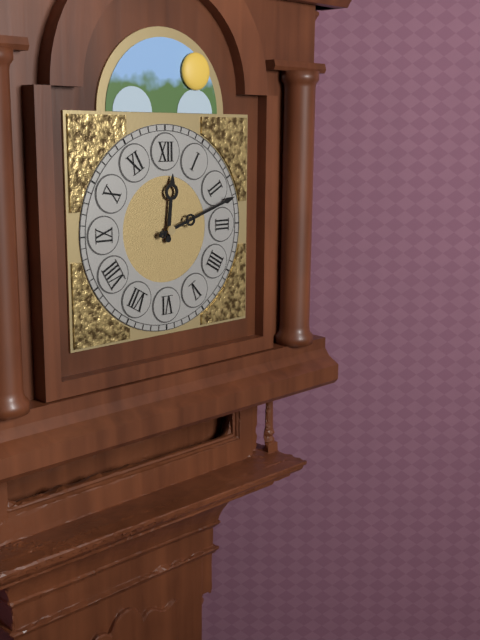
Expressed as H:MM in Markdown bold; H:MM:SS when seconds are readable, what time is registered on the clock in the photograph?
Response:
**12:12**
